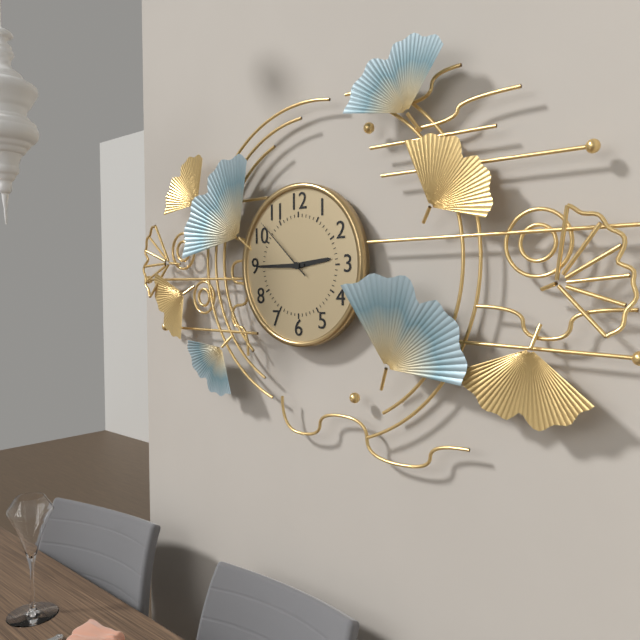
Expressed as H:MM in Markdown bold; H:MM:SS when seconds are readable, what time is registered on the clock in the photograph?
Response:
**2:45:52**
